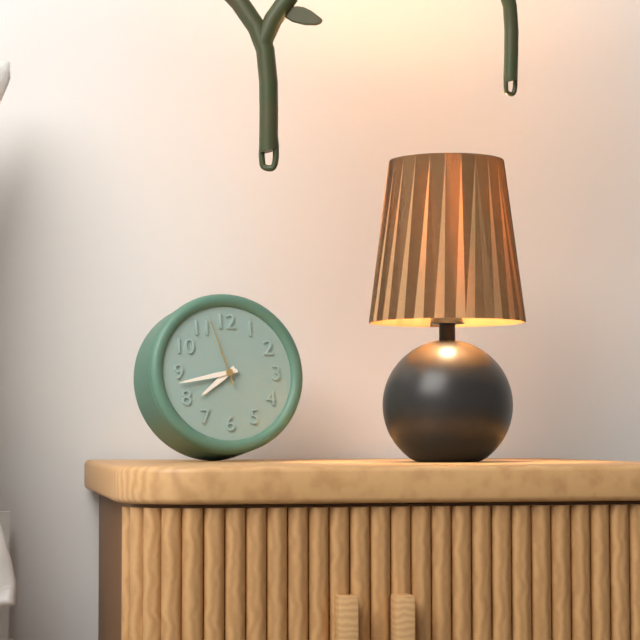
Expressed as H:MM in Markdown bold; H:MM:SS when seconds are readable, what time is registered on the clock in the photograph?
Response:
**7:43:57**
